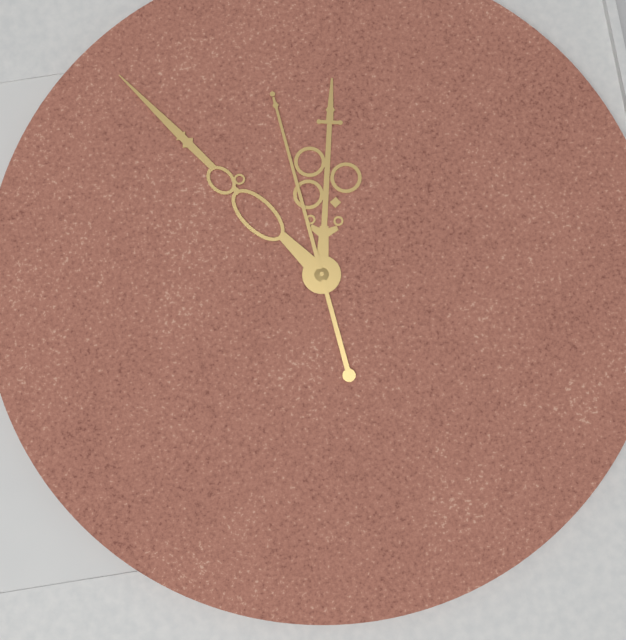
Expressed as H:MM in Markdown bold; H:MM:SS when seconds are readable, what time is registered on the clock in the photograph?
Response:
**6:24:29**
